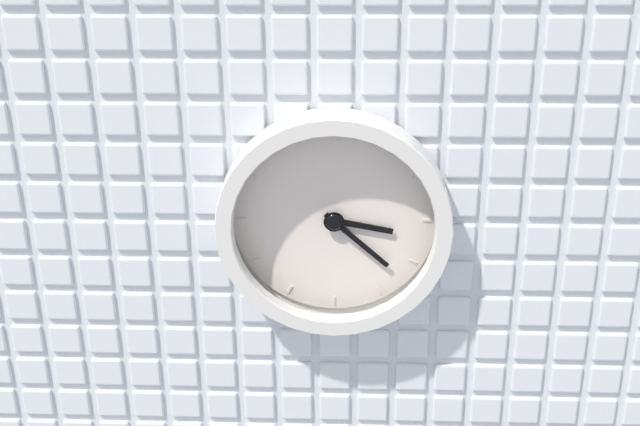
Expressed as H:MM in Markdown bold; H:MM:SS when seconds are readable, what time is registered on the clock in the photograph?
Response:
**3:22**
